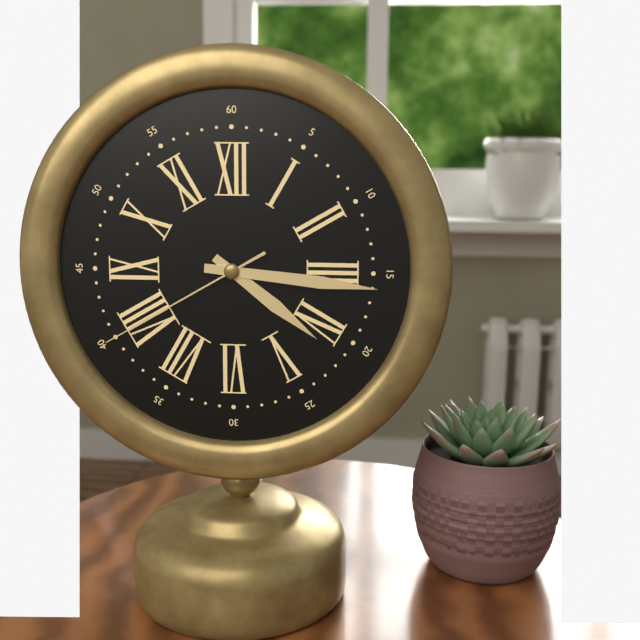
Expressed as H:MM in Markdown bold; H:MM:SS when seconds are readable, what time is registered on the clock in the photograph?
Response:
**4:16:40**
